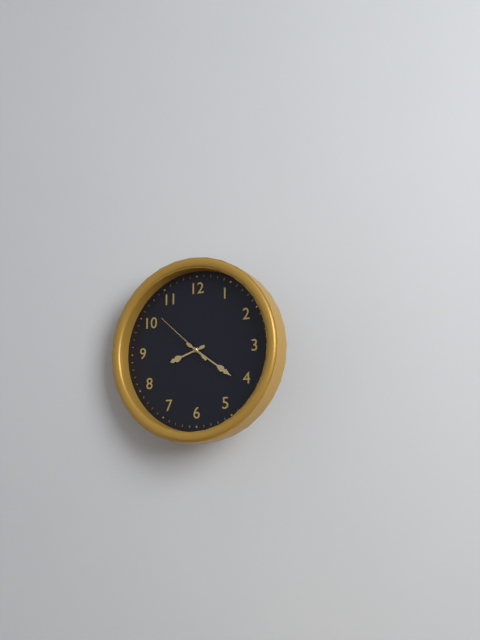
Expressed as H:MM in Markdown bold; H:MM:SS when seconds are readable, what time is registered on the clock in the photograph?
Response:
**8:21:52**
